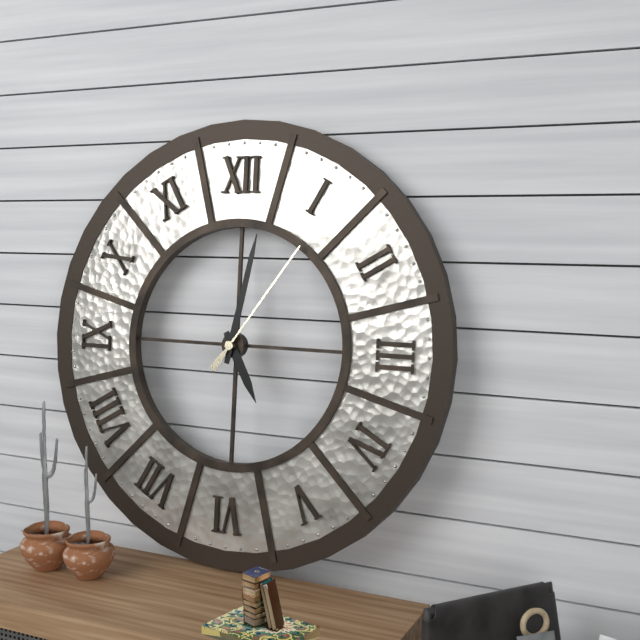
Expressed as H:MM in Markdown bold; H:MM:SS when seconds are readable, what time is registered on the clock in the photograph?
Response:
**5:02:06**
